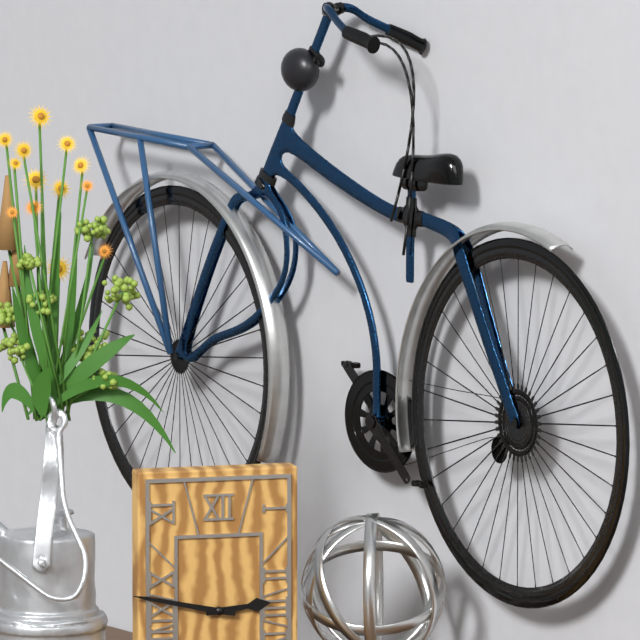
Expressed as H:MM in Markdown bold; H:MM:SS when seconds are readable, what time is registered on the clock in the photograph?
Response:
**2:47**
